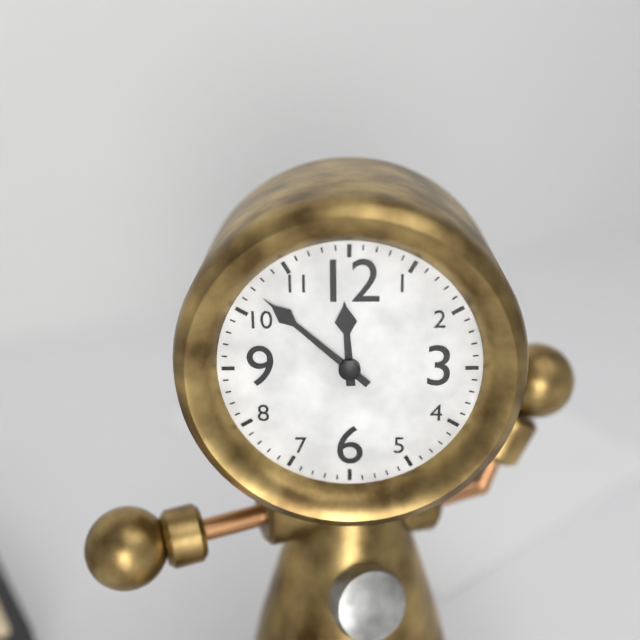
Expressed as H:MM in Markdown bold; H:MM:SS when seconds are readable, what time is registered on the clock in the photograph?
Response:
**11:52**
